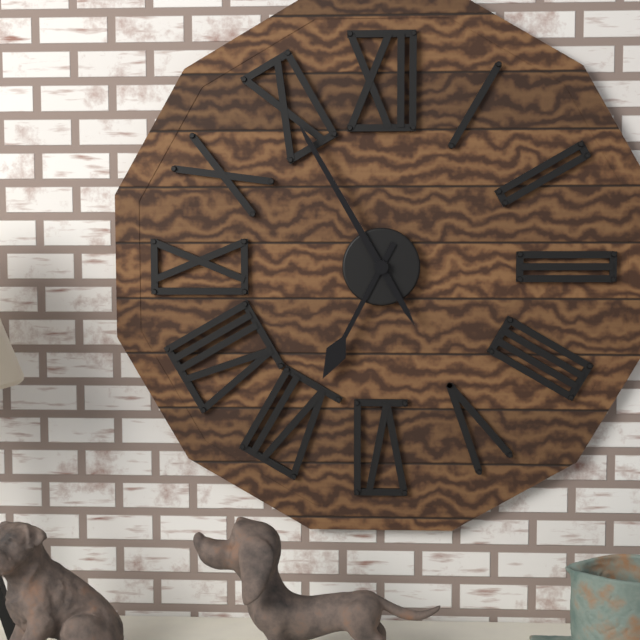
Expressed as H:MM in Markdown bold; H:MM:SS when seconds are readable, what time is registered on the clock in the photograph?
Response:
**6:55**
